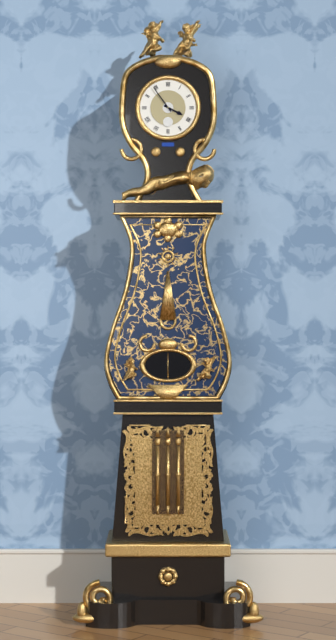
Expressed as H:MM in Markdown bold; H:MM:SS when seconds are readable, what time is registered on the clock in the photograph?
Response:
**3:54**
